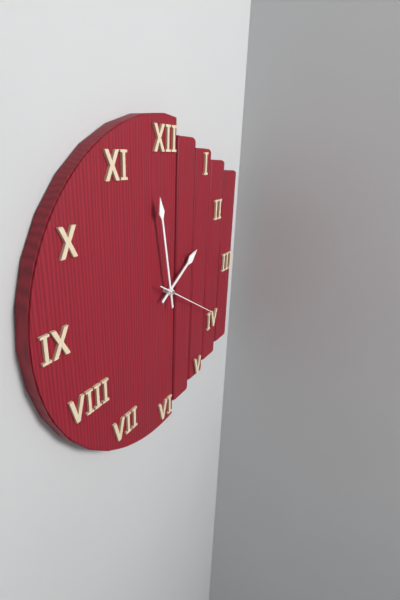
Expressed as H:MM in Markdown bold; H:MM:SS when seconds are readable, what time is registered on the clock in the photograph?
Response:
**1:58:20**
